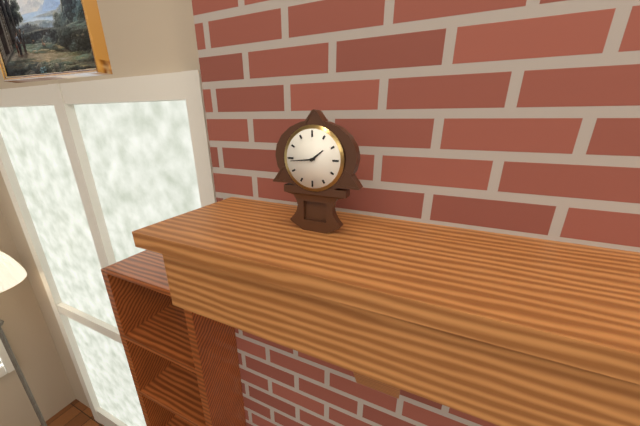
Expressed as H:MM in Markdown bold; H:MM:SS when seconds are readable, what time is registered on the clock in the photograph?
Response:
**1:44**
